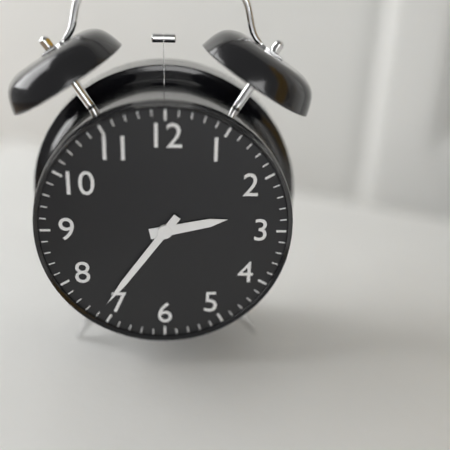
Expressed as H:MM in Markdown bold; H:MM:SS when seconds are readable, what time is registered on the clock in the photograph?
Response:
**2:36**
